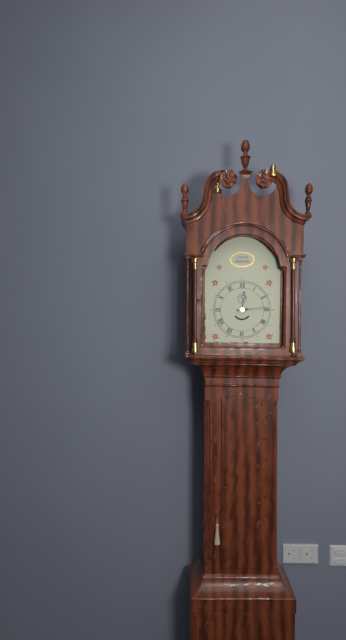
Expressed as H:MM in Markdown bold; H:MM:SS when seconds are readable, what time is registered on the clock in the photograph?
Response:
**12:14**
